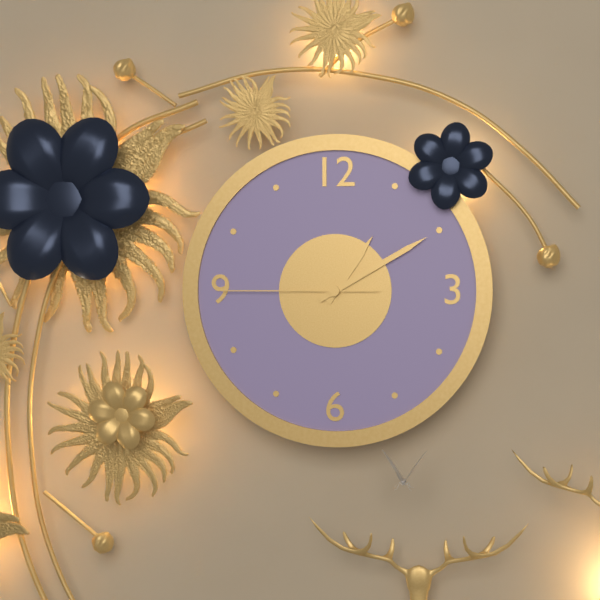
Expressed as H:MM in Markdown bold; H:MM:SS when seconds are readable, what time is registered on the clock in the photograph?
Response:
**1:10:45**
